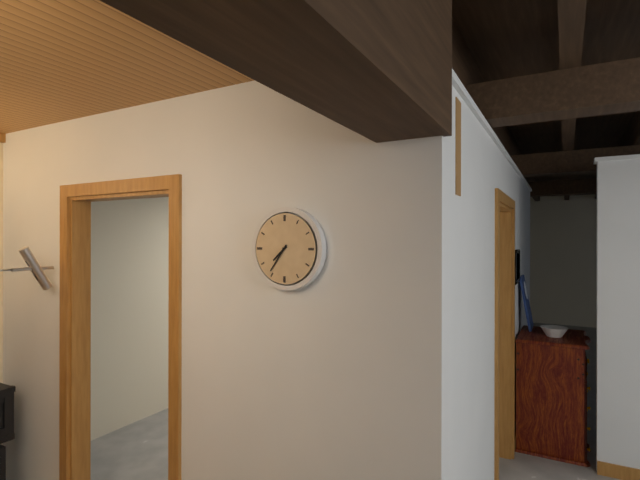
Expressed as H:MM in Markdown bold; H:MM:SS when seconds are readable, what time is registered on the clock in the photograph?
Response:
**7:36**
